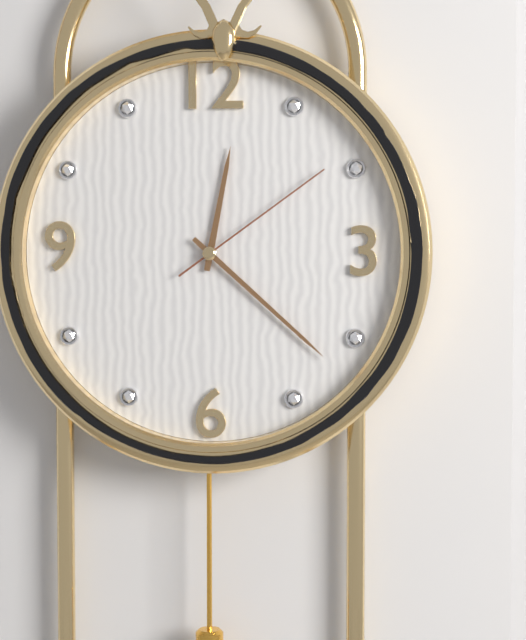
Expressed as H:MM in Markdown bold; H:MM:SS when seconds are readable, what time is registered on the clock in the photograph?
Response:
**12:22:09**
